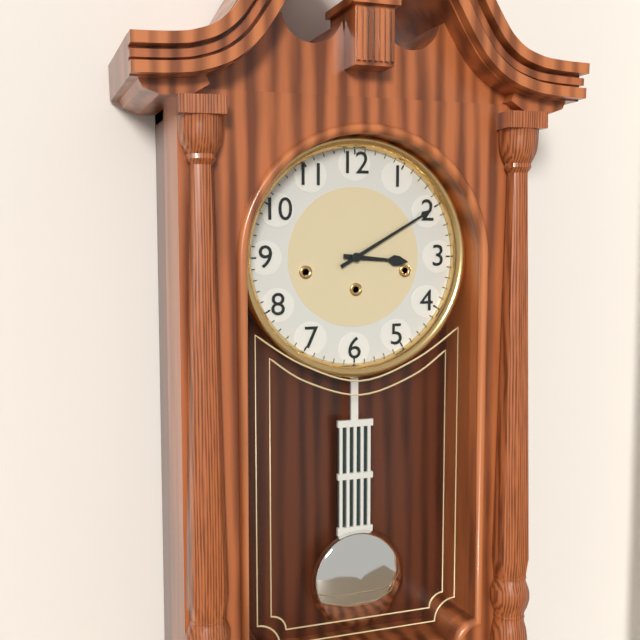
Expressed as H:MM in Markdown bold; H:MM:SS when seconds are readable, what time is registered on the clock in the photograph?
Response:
**3:10**
